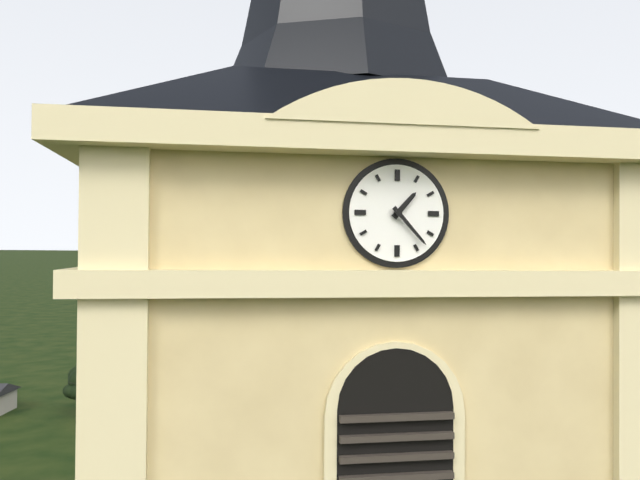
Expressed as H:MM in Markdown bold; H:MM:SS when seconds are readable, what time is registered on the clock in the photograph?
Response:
**1:23**
